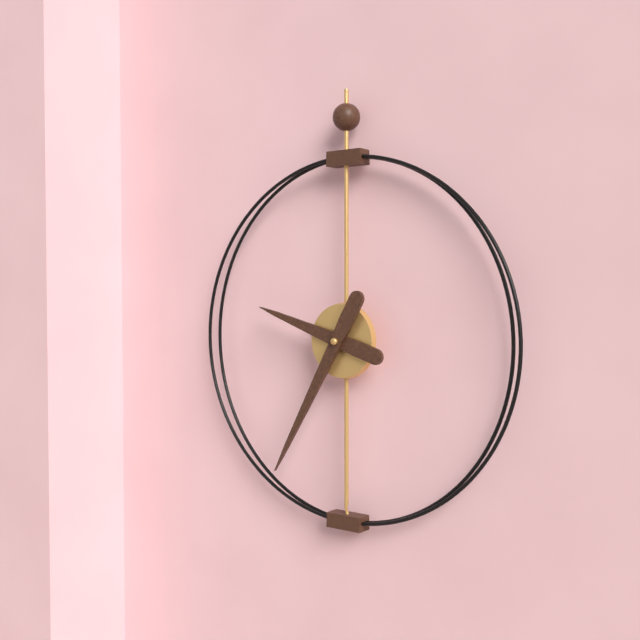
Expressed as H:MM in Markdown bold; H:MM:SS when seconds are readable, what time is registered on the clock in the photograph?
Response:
**9:35**
